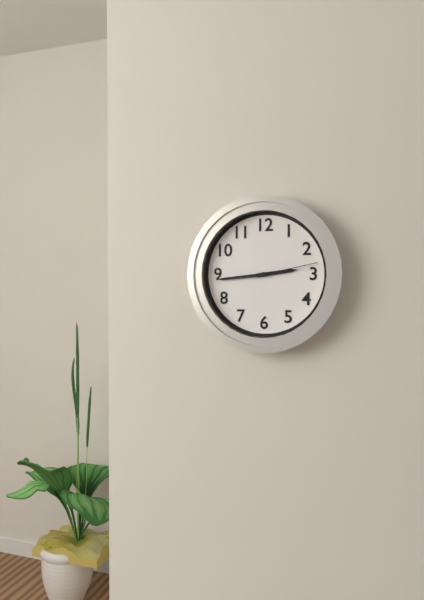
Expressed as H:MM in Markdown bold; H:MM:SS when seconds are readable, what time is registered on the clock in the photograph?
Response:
**2:44:13**
